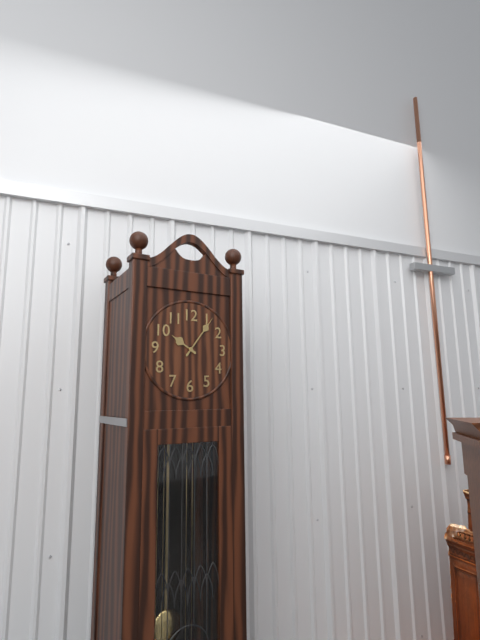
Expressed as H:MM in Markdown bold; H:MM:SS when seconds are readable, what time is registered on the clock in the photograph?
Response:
**10:06**
